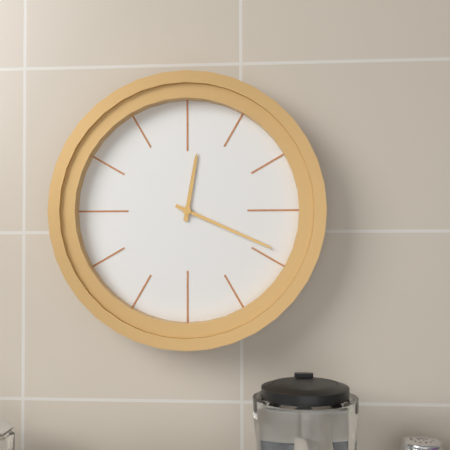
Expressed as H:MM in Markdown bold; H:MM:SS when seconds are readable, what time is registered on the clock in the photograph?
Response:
**12:19**
